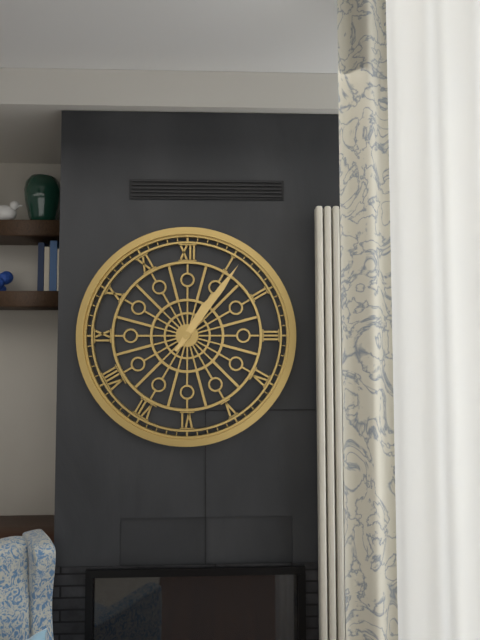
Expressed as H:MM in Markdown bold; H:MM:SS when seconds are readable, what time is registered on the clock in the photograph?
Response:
**1:06**
